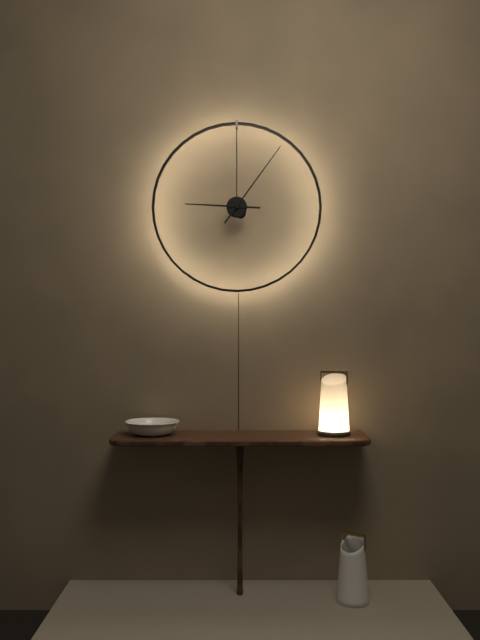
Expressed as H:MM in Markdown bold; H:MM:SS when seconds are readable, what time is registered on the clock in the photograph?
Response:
**9:06**
